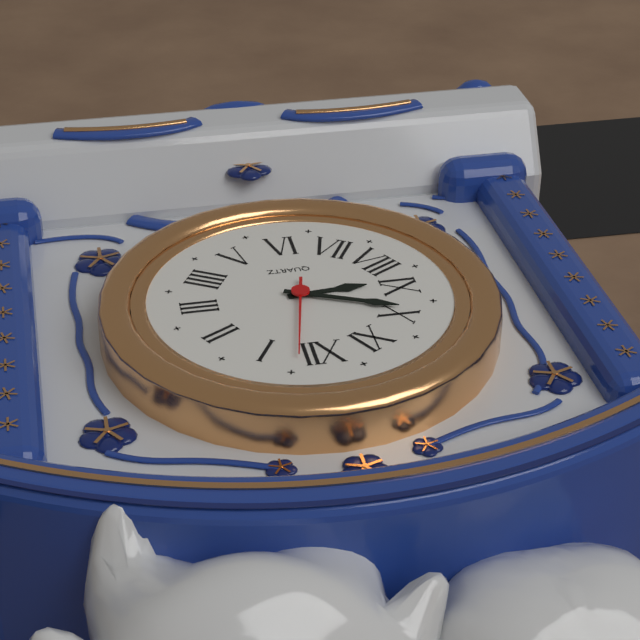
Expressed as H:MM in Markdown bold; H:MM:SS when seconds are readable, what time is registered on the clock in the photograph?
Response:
**8:49:02**
